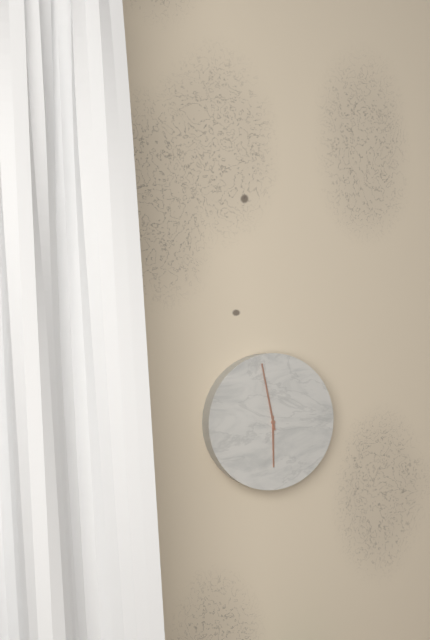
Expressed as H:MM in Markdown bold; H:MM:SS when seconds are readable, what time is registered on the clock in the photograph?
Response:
**5:58**
